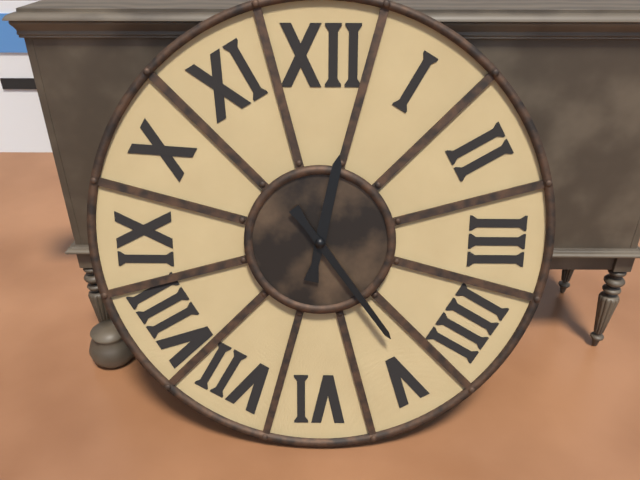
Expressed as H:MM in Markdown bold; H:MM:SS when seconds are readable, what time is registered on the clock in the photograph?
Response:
**12:24**
